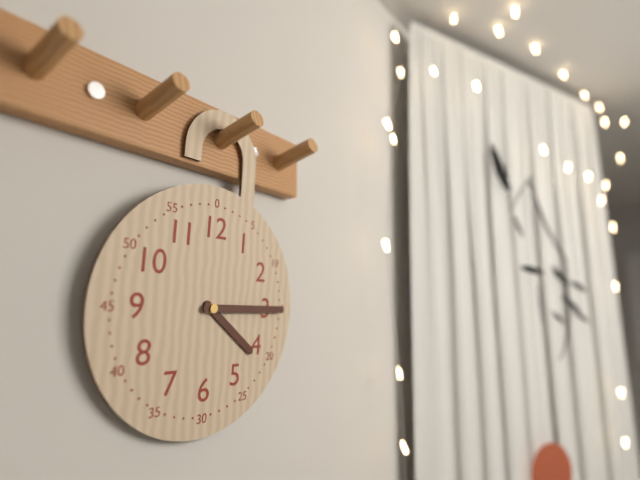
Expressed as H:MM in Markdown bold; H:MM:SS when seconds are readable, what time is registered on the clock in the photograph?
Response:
**4:15**
